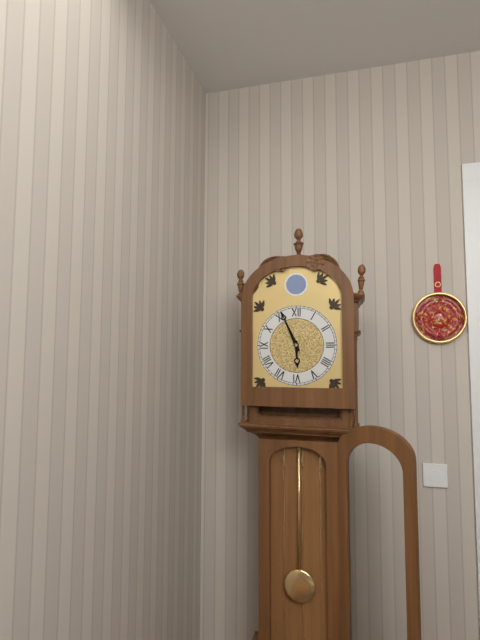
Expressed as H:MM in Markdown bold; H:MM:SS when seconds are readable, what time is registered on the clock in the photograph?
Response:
**5:56**
